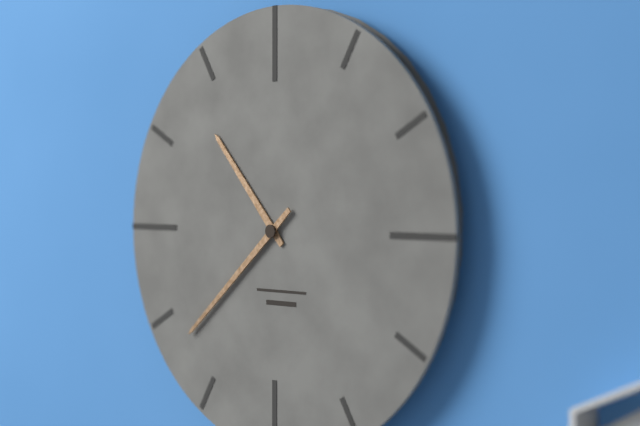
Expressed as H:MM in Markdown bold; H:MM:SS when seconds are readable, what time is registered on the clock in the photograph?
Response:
**10:38**
